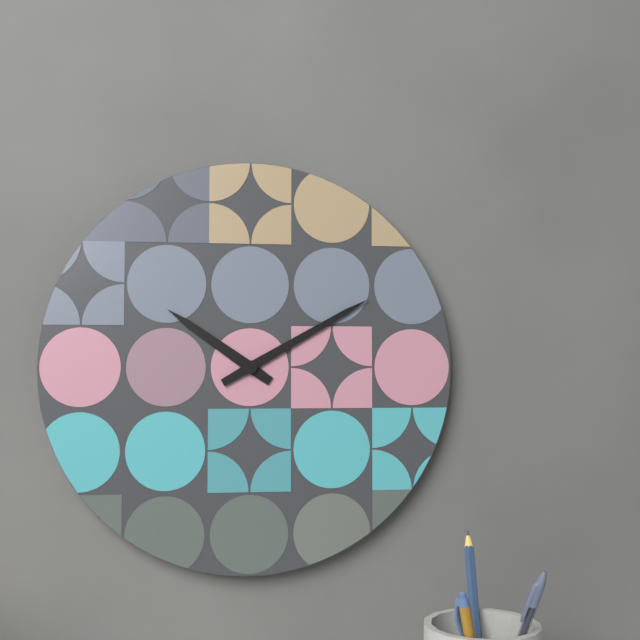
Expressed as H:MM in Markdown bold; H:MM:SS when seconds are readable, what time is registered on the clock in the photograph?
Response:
**10:10**
